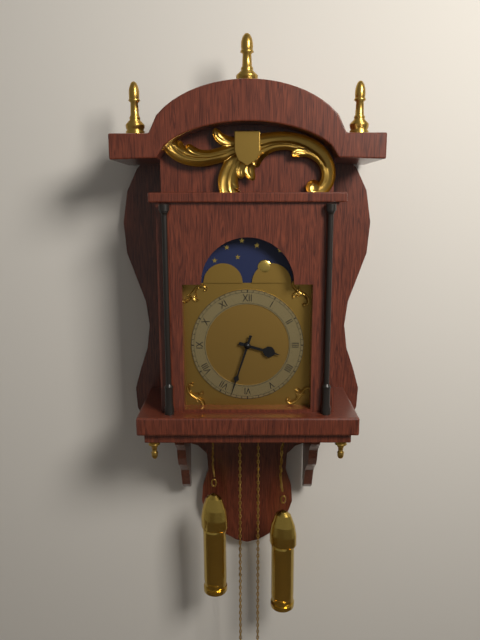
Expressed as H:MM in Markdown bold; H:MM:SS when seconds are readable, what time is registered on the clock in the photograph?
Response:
**3:33**
